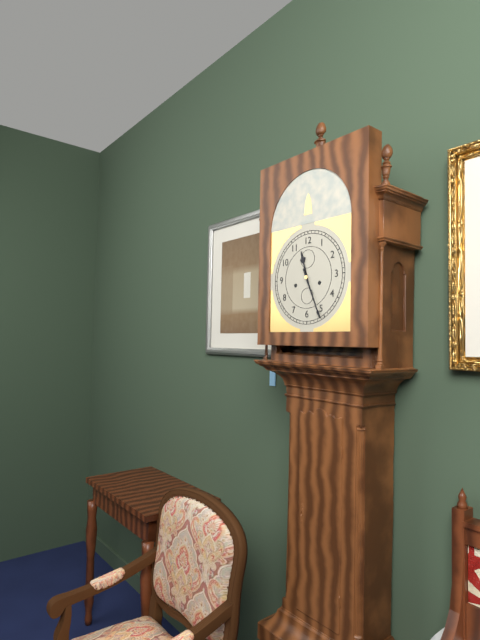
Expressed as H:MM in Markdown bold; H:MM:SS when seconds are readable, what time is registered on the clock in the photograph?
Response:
**11:26**
